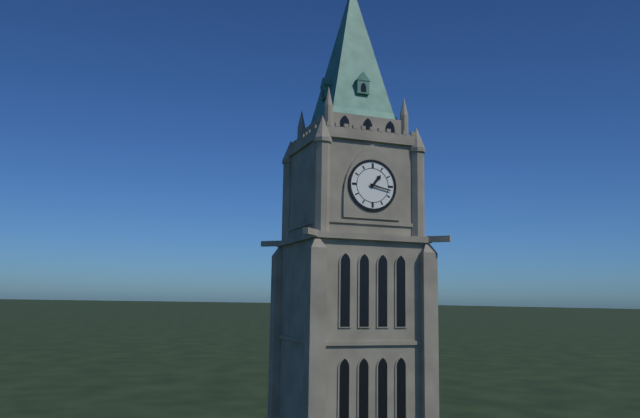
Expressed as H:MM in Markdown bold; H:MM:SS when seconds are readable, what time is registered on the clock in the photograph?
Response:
**1:17**
